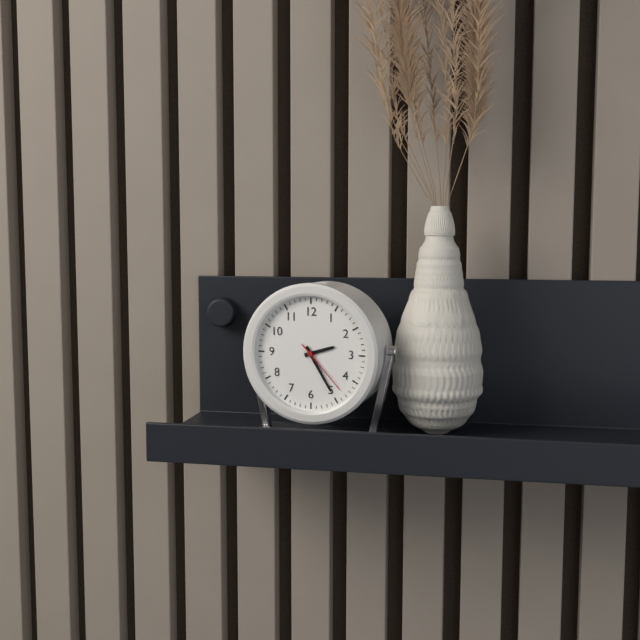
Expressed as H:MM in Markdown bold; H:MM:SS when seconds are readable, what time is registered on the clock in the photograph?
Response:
**2:25:23**
